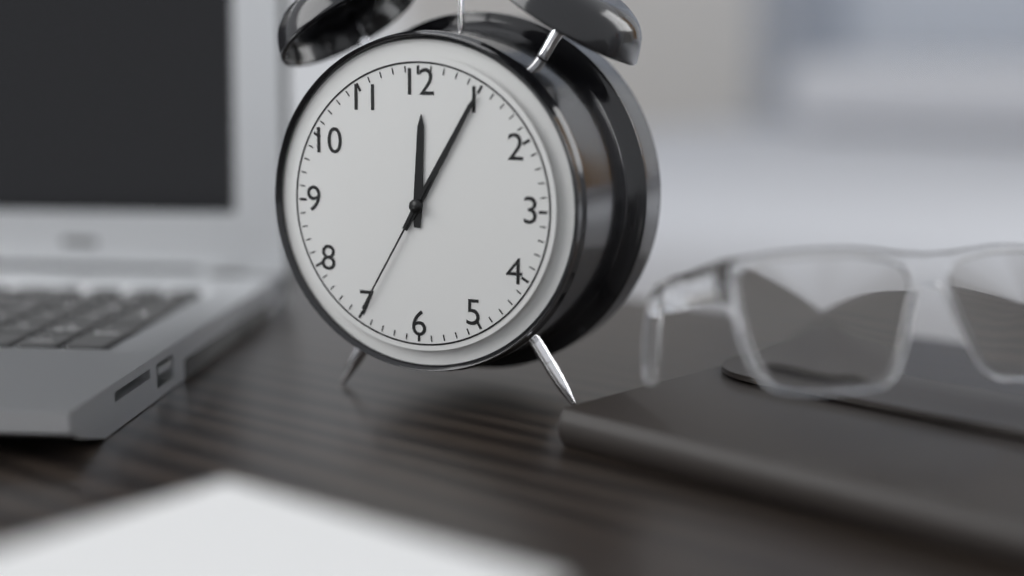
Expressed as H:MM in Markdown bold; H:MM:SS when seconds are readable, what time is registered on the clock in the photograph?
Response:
**12:05:35**
